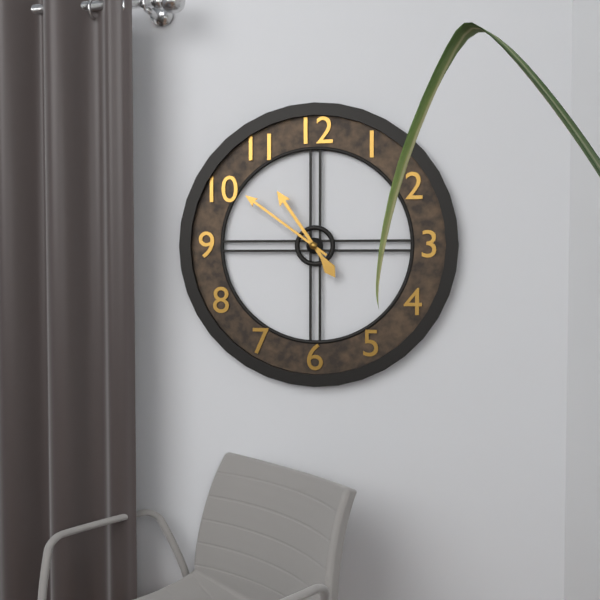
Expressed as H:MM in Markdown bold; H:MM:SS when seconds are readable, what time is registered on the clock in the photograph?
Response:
**10:51**
